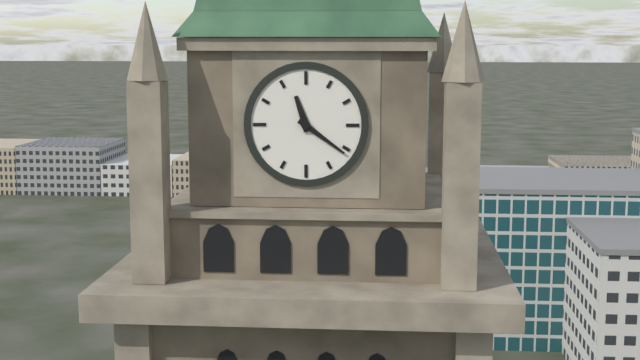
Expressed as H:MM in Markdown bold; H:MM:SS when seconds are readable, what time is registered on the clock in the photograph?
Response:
**11:21**
